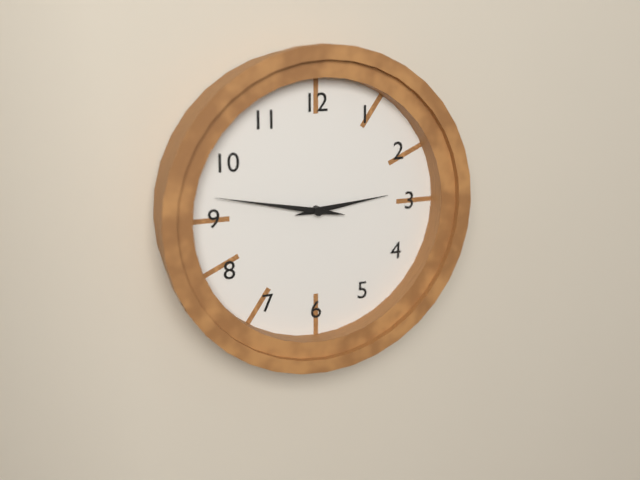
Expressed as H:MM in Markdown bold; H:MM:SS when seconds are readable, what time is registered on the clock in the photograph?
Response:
**2:47**
